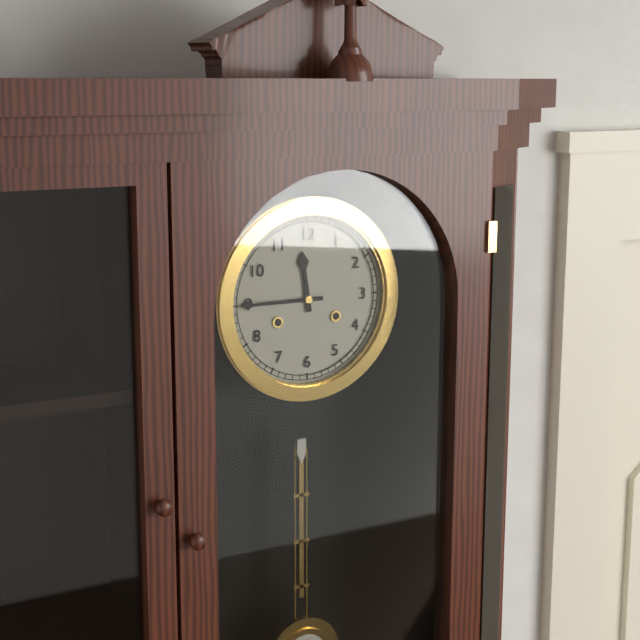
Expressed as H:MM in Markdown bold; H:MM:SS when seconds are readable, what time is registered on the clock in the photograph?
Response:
**11:45**
